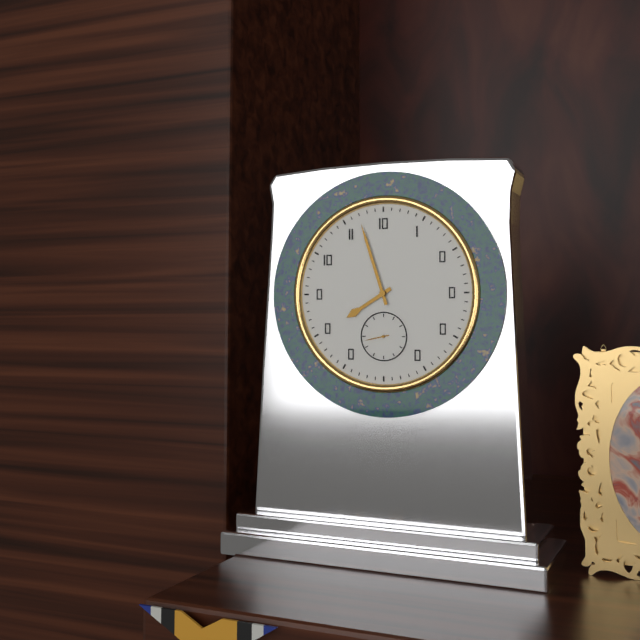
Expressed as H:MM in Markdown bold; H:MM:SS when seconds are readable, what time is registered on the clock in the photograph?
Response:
**7:57**
